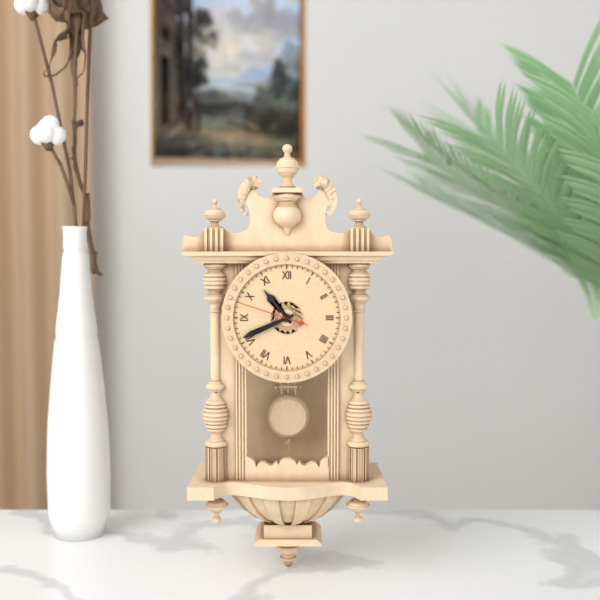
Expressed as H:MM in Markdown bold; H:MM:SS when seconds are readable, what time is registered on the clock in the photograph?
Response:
**10:41:48**
